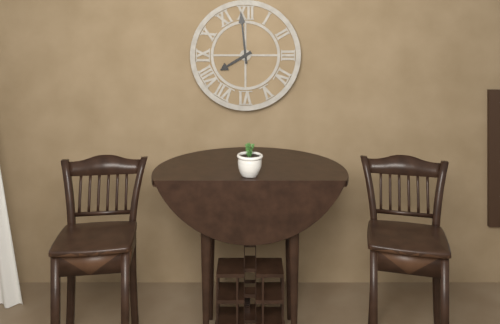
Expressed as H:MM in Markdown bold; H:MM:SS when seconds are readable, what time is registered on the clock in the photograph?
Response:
**7:59**
